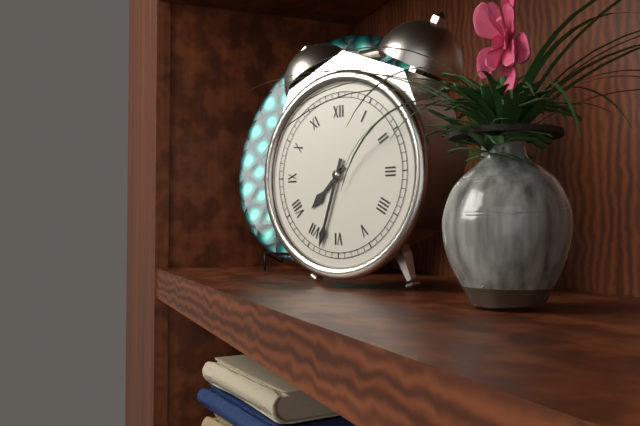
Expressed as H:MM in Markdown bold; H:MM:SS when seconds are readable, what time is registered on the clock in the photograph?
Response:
**7:33**
